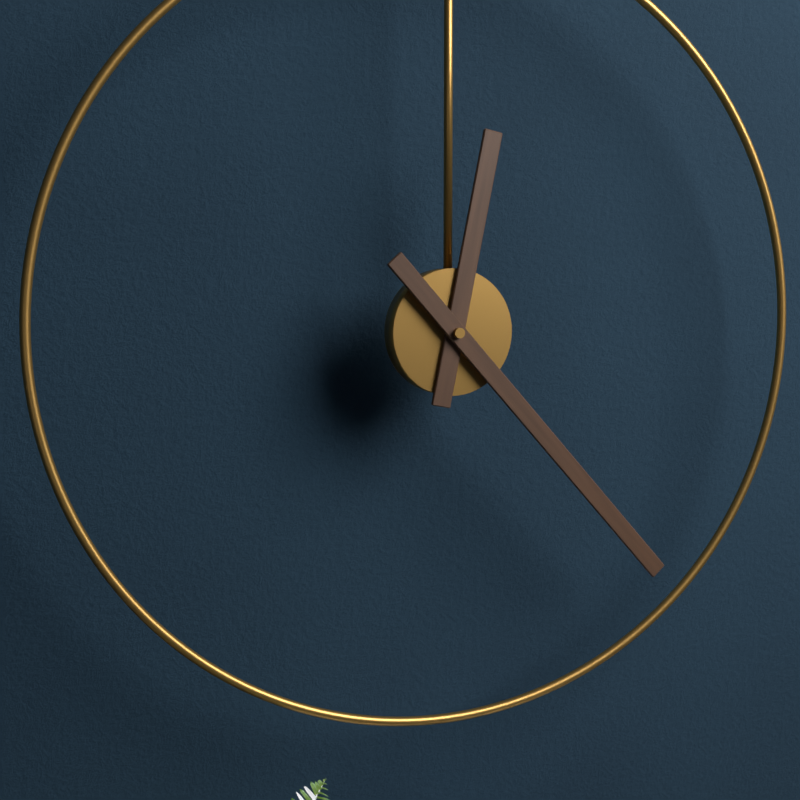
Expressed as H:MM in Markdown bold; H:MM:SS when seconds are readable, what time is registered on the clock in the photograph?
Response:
**12:23**
